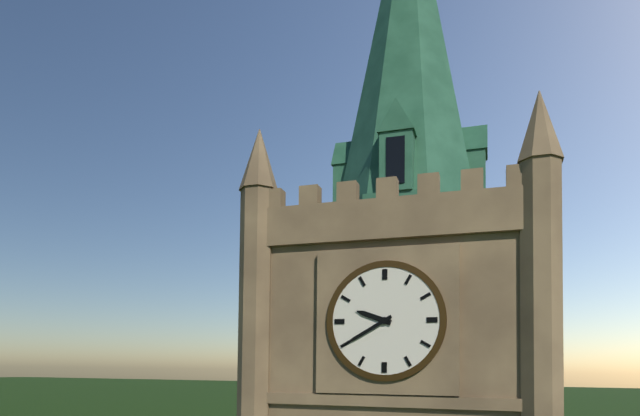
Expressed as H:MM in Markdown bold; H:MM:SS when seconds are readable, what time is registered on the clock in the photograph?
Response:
**9:40**
